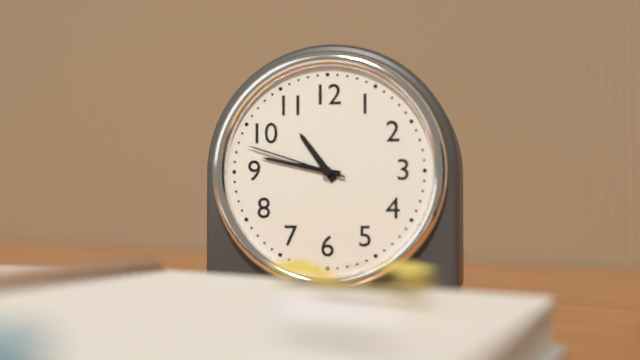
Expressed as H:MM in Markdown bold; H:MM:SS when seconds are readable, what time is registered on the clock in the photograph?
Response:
**10:47:48**
